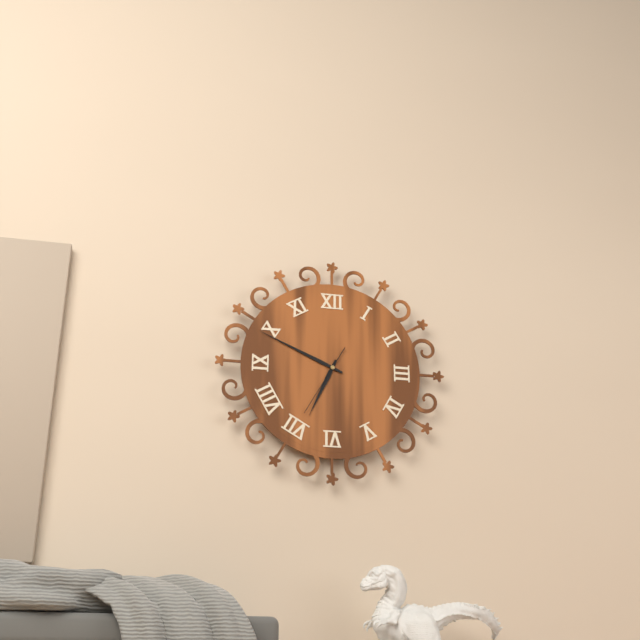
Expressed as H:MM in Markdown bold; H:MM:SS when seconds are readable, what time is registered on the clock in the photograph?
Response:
**6:49:35**
